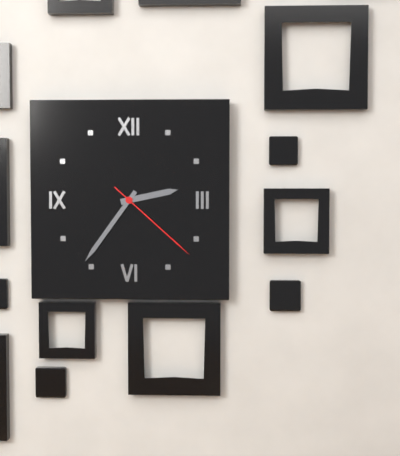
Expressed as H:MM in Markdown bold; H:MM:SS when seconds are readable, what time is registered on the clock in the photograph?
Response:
**2:36:22**
